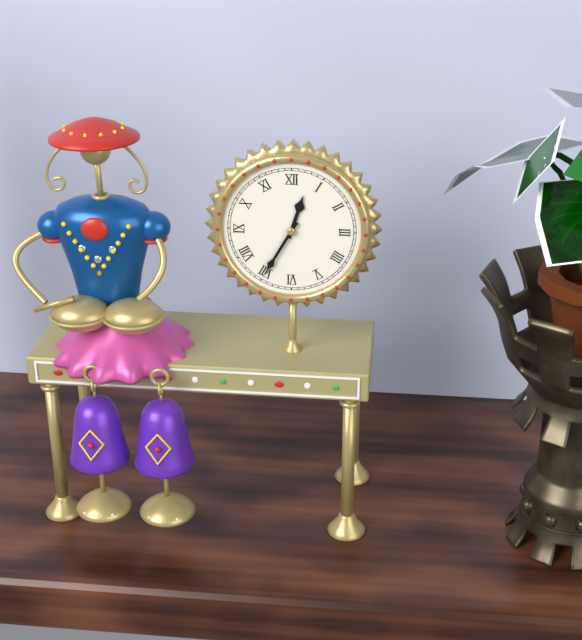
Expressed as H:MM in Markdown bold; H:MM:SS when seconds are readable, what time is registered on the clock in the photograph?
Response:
**12:35**
